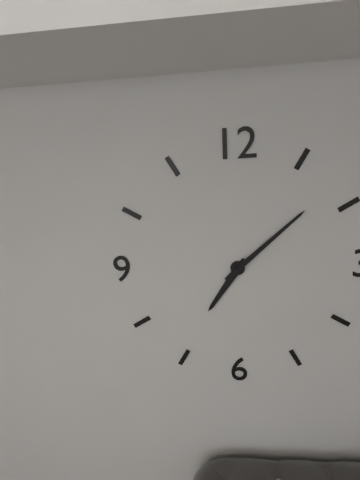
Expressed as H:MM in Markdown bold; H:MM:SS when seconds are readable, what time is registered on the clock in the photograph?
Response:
**7:08**
